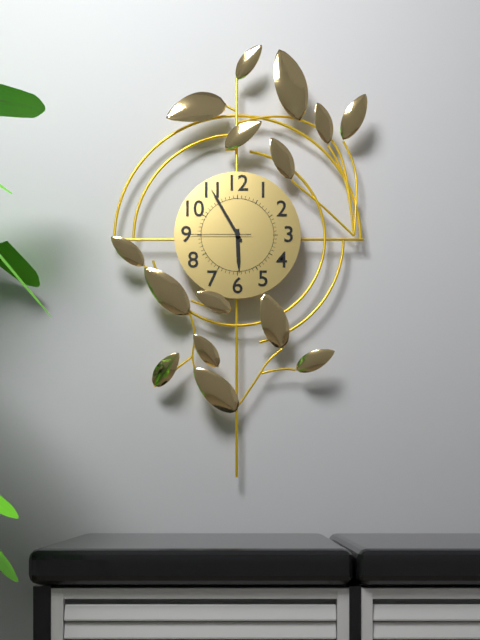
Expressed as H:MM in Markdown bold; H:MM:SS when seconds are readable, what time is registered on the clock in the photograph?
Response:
**5:55:45**
